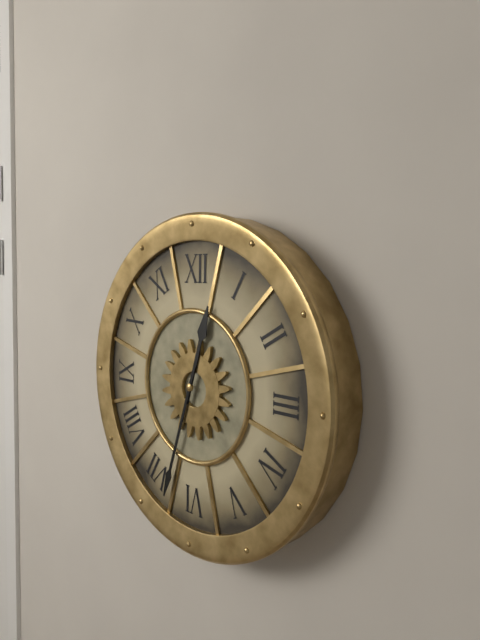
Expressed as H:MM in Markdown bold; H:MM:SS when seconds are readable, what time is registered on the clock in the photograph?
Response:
**12:33**
